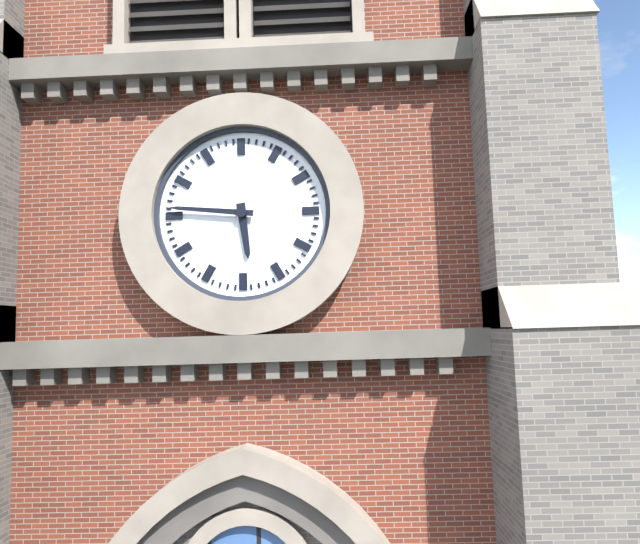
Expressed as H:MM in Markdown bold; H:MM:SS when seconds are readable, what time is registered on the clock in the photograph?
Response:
**5:46**
